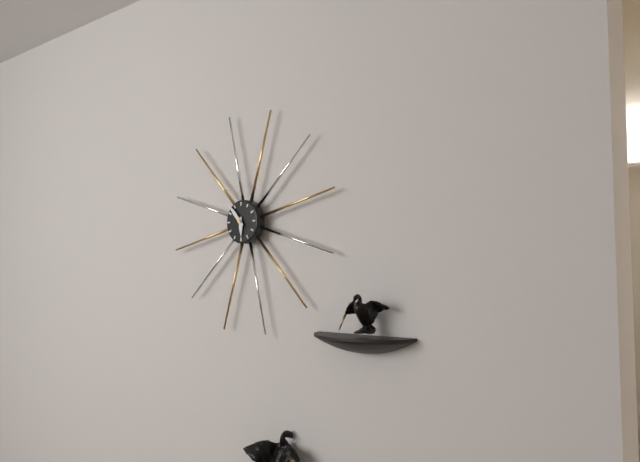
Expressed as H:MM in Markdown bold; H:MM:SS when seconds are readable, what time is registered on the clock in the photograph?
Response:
**5:53**
